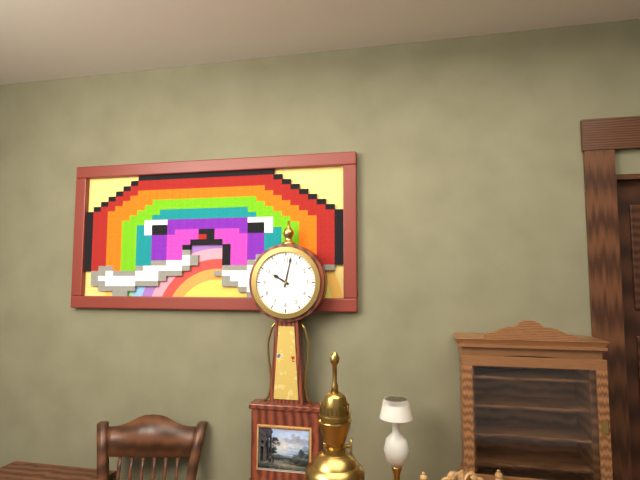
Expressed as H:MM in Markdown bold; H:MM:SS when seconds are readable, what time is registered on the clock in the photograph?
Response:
**10:02**
